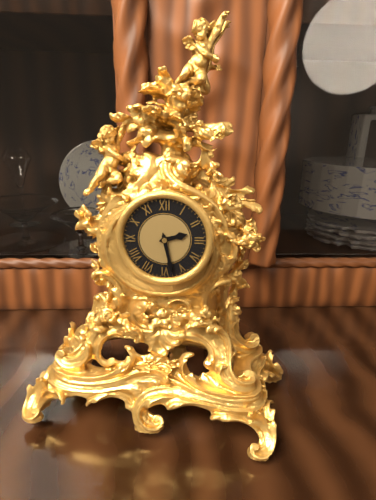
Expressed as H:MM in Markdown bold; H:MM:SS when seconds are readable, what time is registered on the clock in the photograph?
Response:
**2:28**
